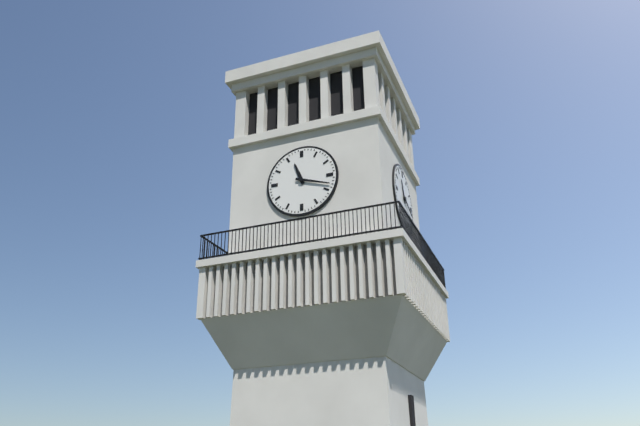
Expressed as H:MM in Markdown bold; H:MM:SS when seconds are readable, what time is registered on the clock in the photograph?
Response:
**11:18**
